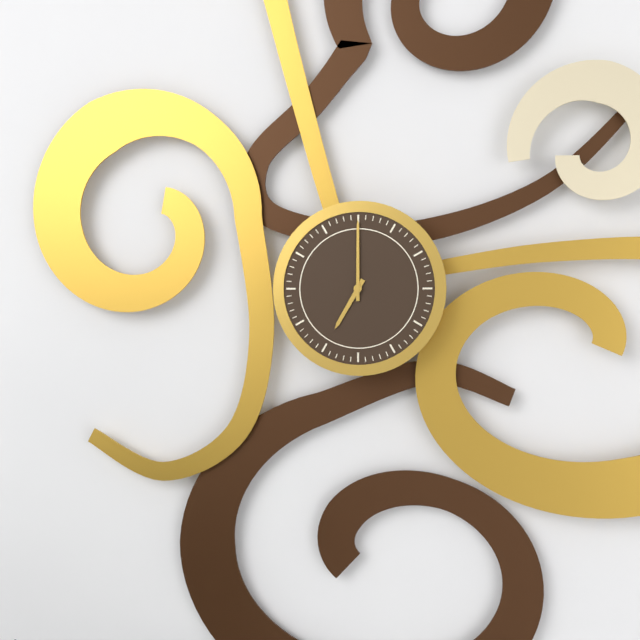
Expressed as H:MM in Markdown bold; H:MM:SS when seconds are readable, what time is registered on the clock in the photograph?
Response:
**7:00**
